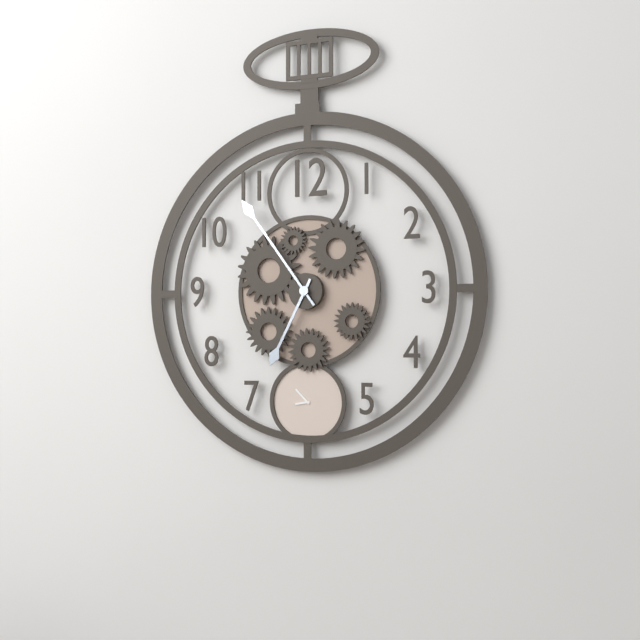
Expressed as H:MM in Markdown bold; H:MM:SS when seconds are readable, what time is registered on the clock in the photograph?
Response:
**6:54**
